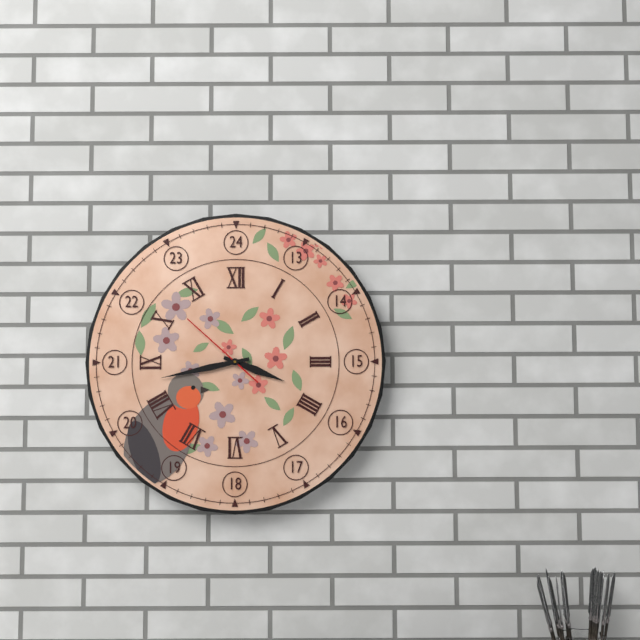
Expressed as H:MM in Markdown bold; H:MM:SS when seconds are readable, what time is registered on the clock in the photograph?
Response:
**3:43:52**
